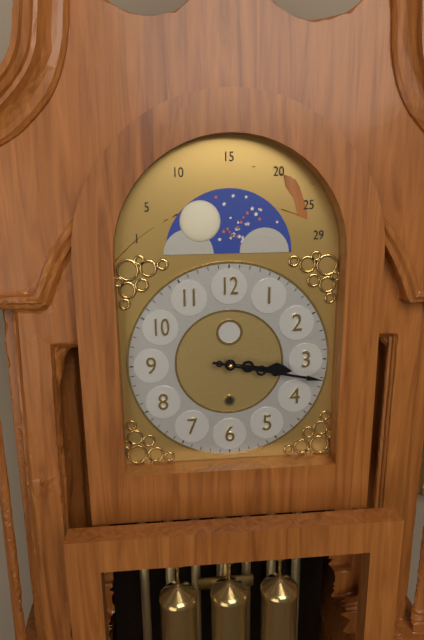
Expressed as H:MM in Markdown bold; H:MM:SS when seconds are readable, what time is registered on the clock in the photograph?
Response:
**3:17**
